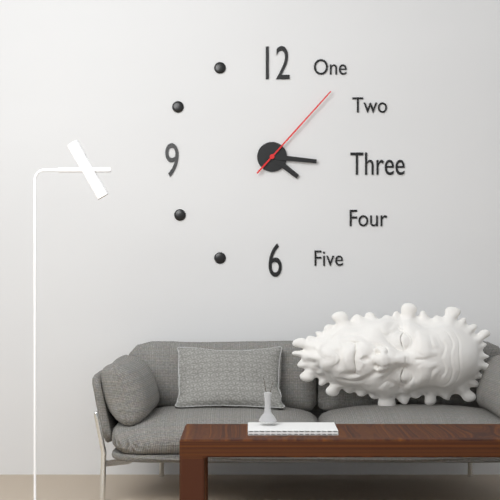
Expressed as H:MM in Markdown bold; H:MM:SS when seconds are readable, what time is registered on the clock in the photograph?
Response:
**4:16:07**
